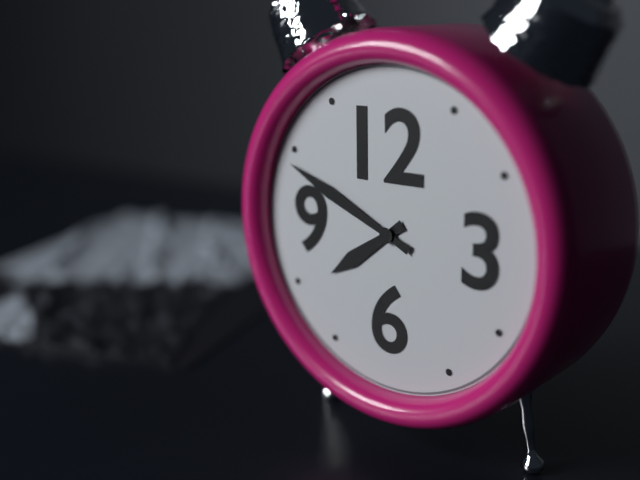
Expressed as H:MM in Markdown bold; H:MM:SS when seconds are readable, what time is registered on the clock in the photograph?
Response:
**7:49**
